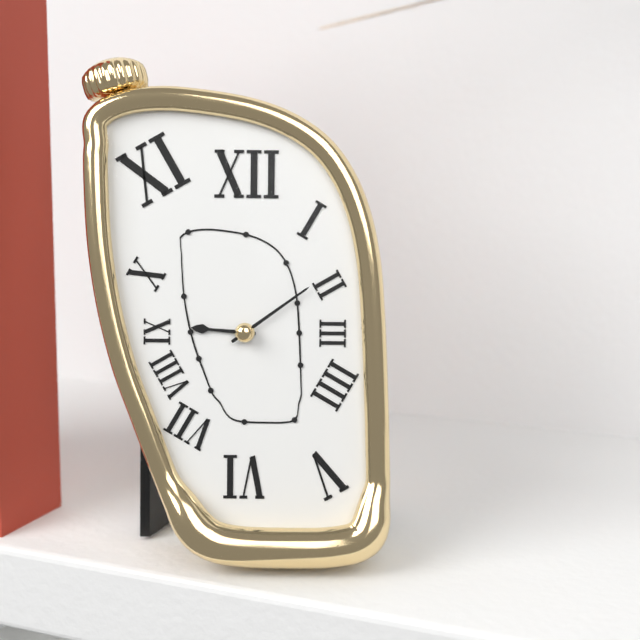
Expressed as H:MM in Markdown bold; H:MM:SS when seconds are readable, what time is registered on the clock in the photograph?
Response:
**9:09**
